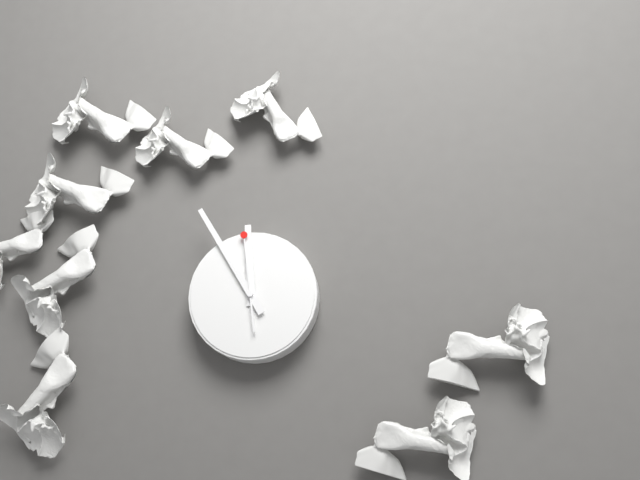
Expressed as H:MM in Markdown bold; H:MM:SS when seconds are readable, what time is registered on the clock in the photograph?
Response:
**11:55:59**
